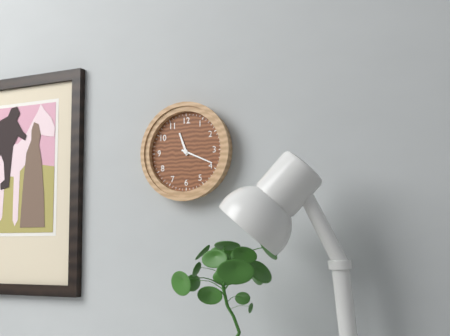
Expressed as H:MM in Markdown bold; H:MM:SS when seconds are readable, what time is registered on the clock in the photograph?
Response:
**11:19**
